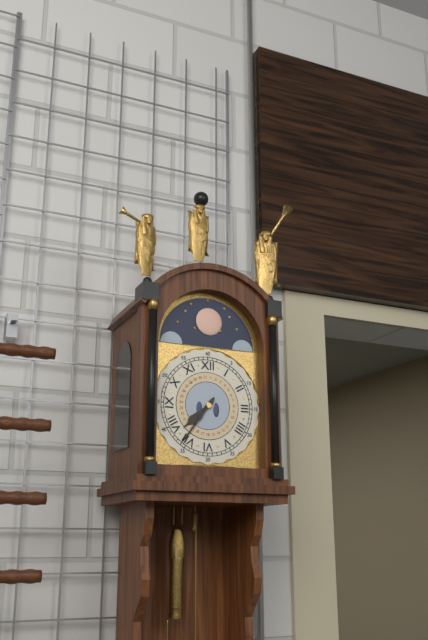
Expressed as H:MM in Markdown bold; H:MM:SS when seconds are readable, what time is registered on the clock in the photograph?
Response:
**7:36**
